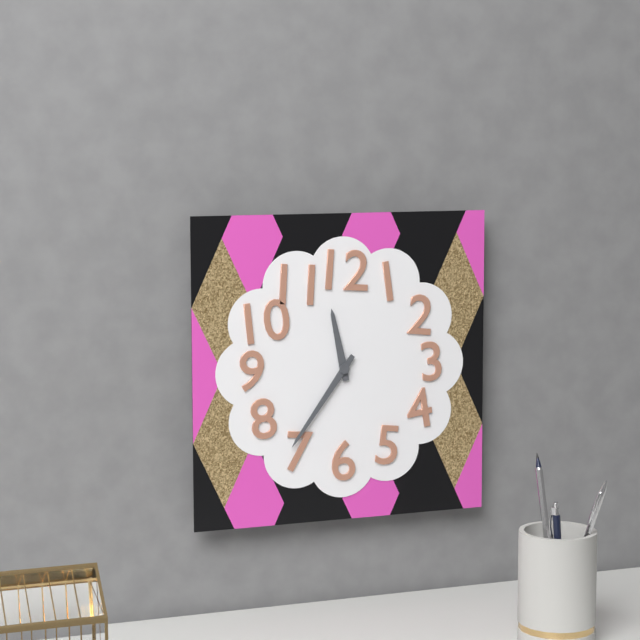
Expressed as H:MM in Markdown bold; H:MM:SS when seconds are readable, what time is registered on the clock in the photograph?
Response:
**11:36**
